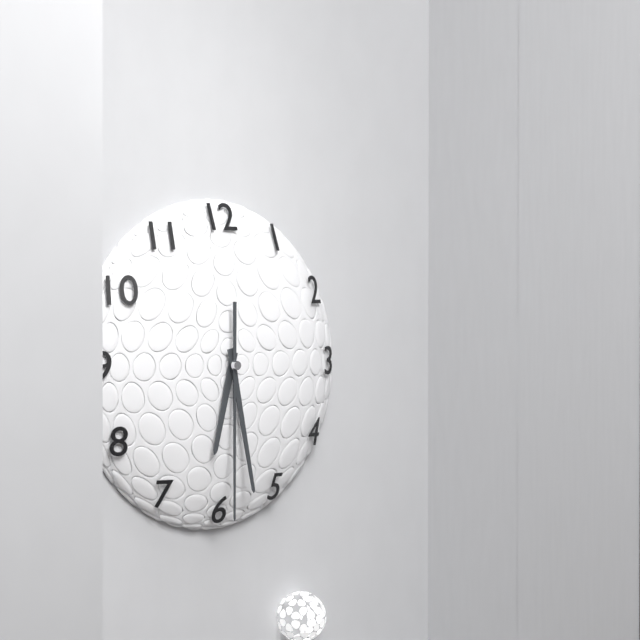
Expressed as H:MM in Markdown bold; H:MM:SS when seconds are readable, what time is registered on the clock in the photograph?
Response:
**6:28:30**
